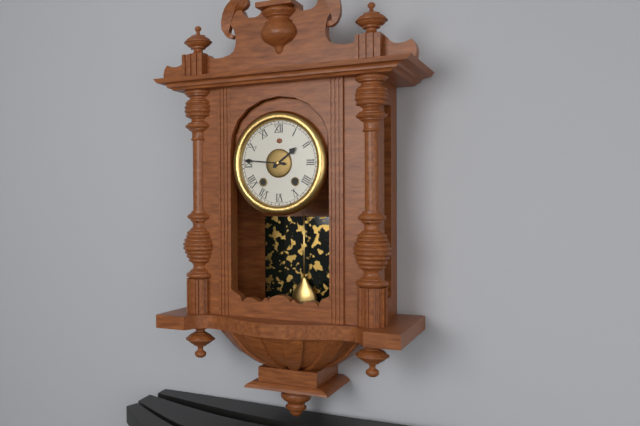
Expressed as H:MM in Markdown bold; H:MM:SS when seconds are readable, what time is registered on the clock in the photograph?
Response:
**1:46**
